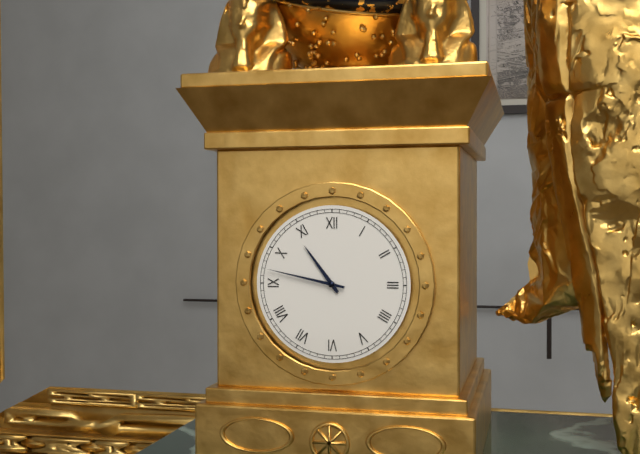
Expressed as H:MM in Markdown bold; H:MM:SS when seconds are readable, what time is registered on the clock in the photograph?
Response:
**10:47**
